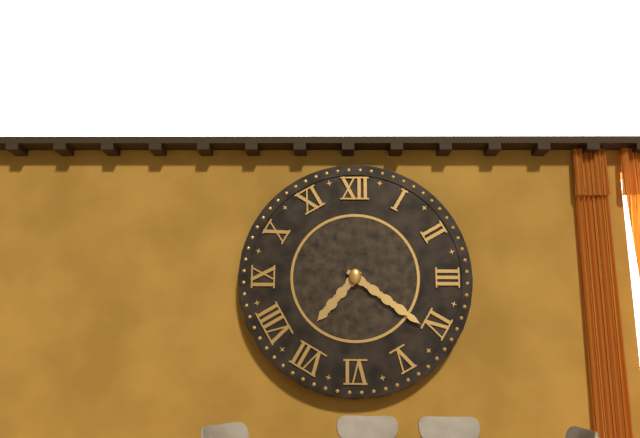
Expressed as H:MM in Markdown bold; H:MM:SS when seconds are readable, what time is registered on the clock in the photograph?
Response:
**7:21**
